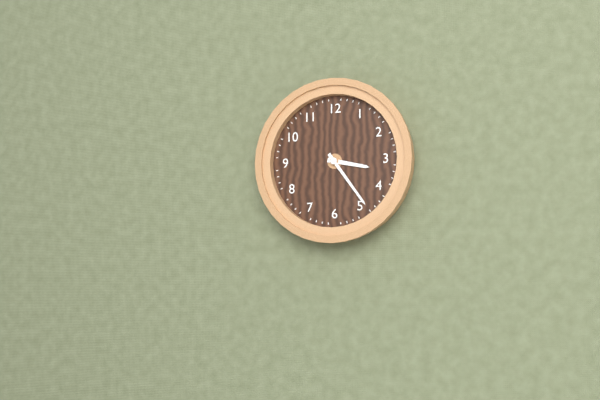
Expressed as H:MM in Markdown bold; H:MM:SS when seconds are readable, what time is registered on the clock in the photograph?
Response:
**3:24**
